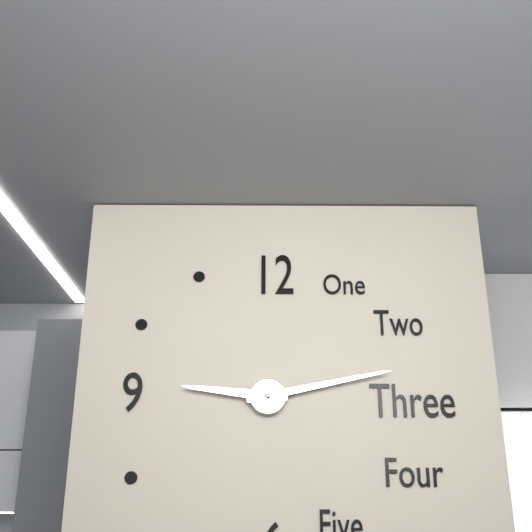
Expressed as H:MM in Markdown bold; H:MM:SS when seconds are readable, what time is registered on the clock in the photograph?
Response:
**9:13**
